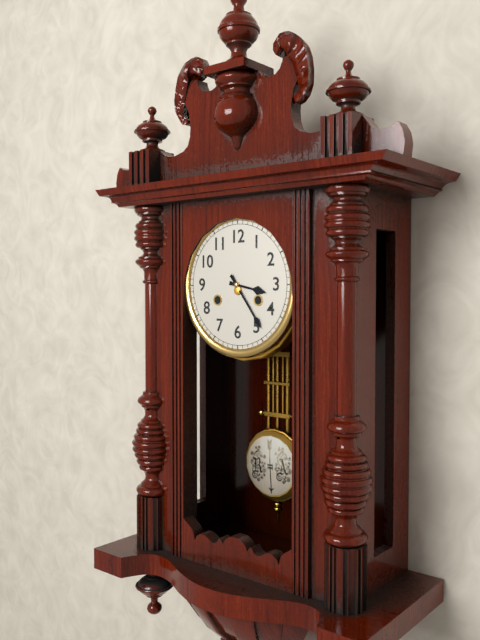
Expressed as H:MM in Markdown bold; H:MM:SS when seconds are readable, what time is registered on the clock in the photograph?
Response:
**3:24**
